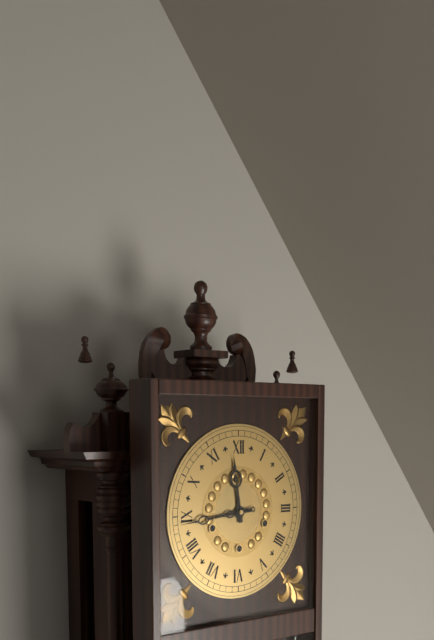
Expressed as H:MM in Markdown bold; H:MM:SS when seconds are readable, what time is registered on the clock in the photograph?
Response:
**11:44**
